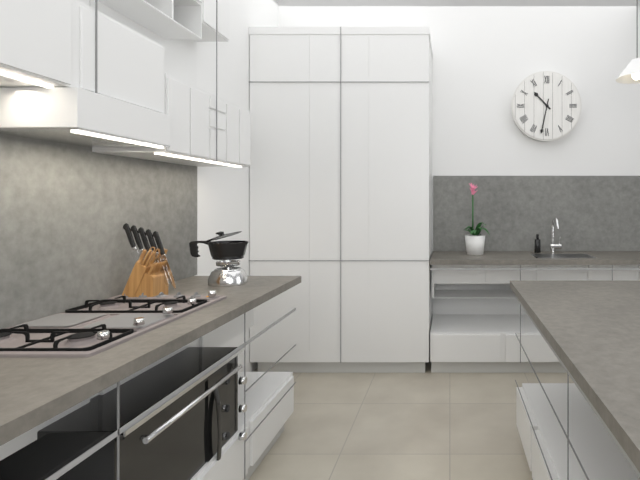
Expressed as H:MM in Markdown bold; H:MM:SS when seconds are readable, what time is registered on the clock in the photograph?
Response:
**10:32**
